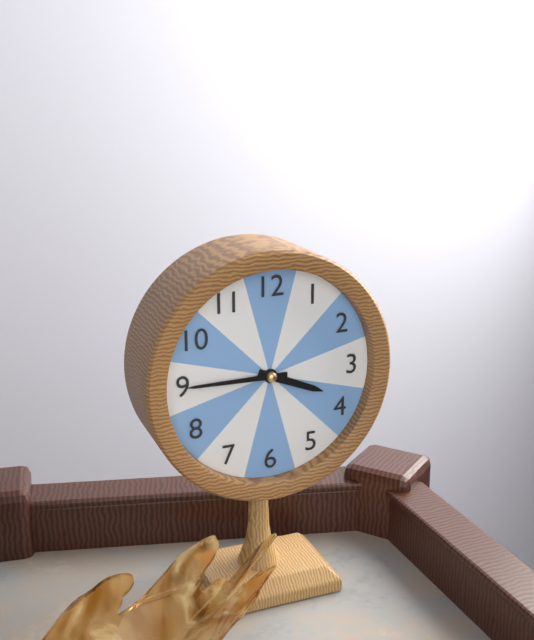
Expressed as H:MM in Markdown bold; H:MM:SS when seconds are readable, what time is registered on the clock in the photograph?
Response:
**3:45**
